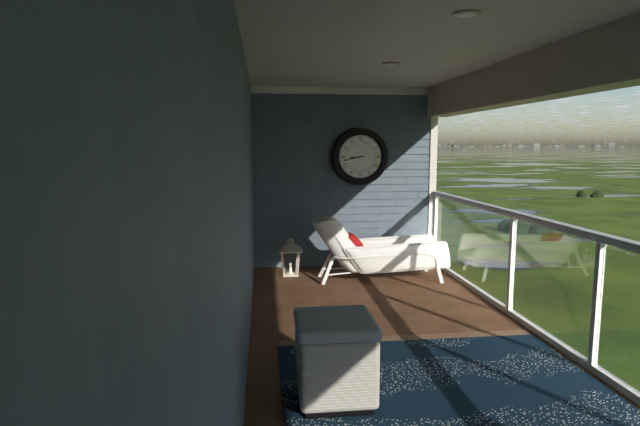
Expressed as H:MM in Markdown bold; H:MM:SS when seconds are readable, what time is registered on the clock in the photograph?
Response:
**8:43**
